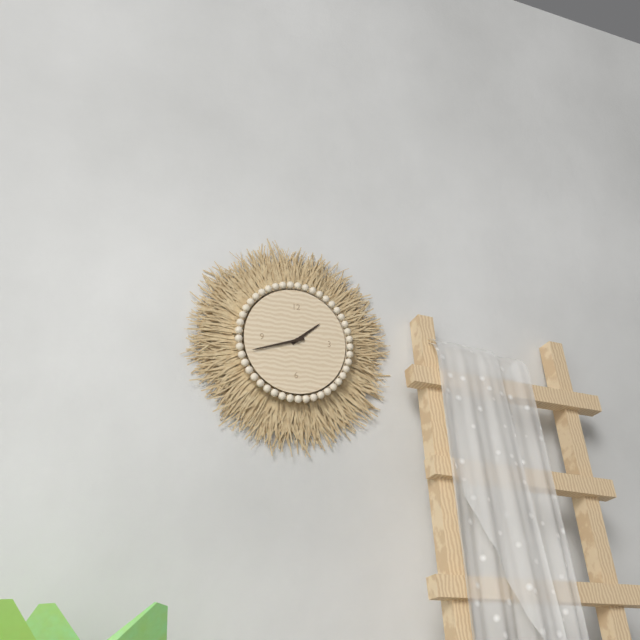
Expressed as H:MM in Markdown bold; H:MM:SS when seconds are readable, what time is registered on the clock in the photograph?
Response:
**1:42**
